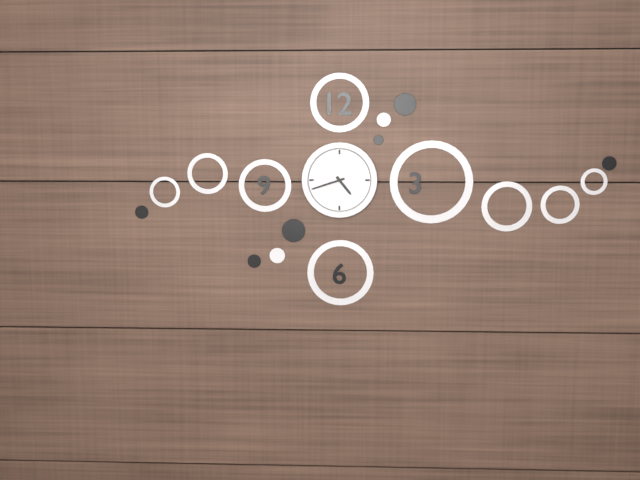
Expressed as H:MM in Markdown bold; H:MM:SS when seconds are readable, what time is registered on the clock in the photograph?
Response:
**4:42**
